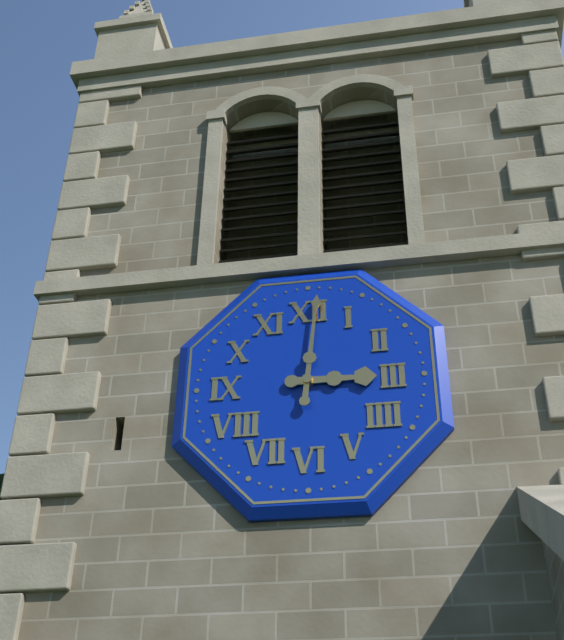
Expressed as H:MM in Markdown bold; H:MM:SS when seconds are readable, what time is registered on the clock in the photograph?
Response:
**3:01**
